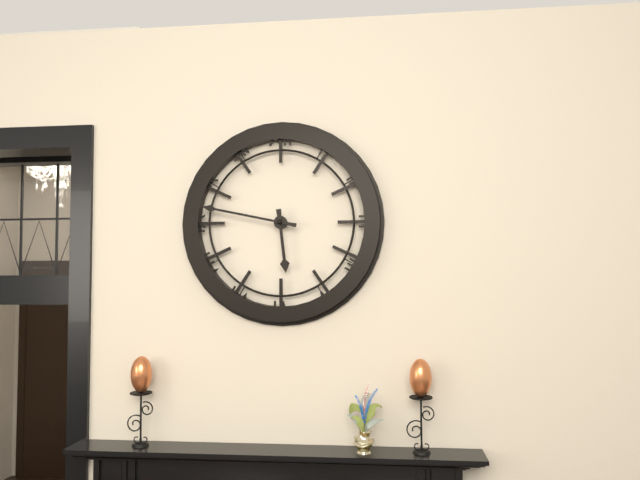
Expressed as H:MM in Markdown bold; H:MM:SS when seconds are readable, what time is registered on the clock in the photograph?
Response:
**5:47**
